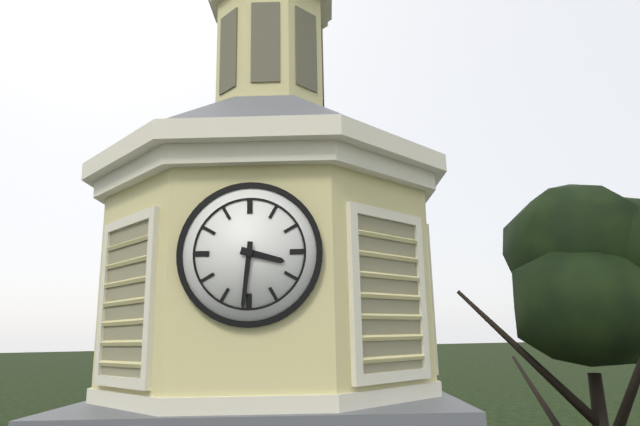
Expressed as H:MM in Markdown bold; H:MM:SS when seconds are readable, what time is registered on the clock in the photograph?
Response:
**3:31**
